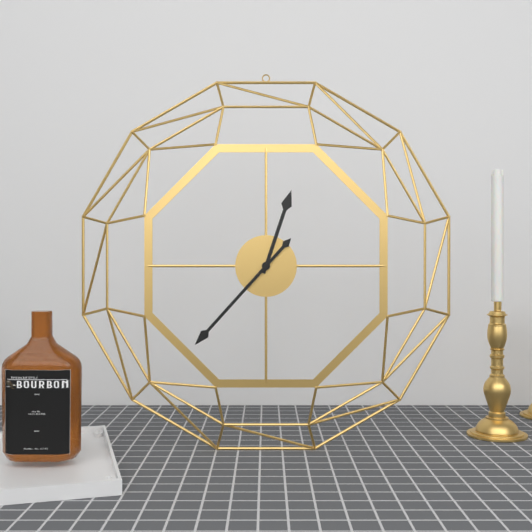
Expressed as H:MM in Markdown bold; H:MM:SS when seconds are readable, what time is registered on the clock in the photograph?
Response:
**12:37**
